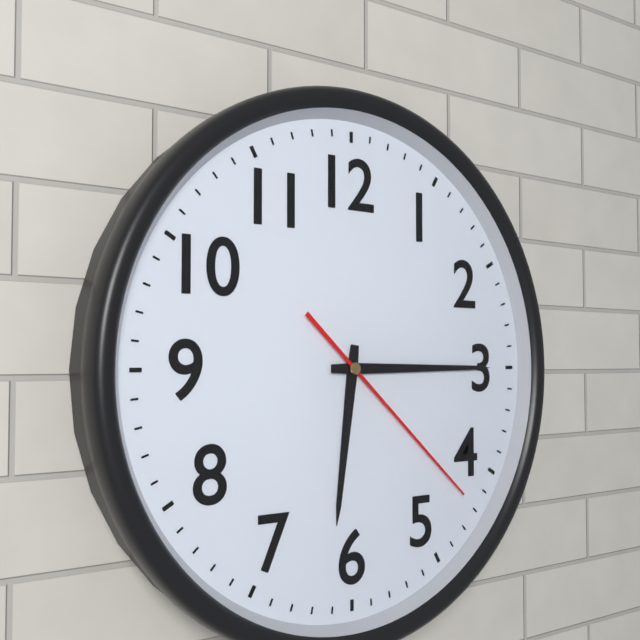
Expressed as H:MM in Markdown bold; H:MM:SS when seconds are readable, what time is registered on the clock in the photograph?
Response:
**6:15:22**
